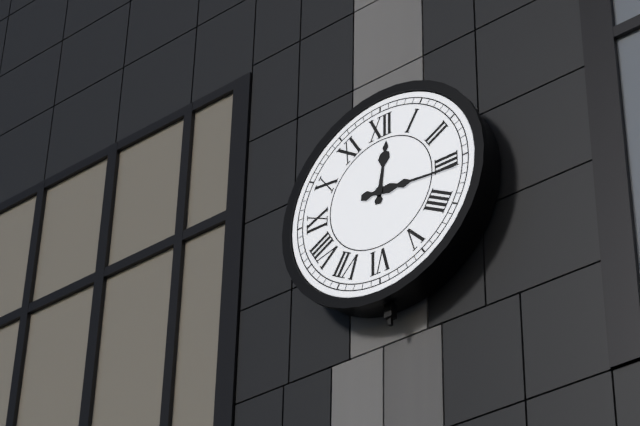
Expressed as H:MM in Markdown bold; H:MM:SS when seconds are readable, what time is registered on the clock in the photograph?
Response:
**12:16**
